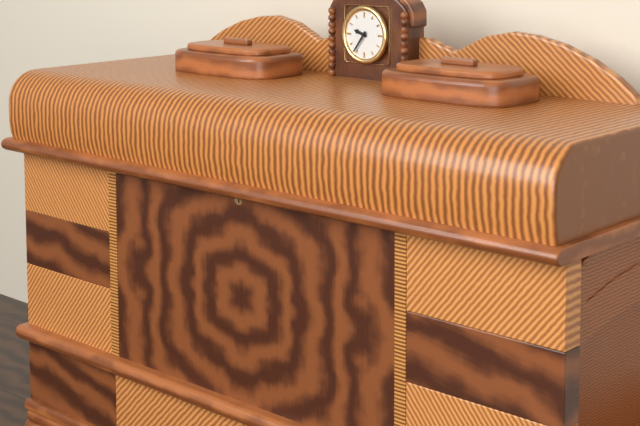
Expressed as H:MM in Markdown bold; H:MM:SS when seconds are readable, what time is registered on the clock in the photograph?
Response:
**9:36**
